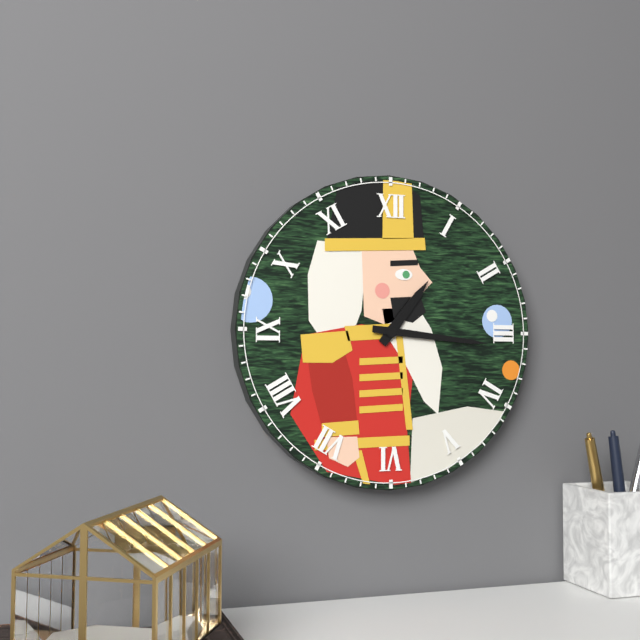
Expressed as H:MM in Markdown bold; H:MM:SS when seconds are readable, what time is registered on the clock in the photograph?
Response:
**1:16**
